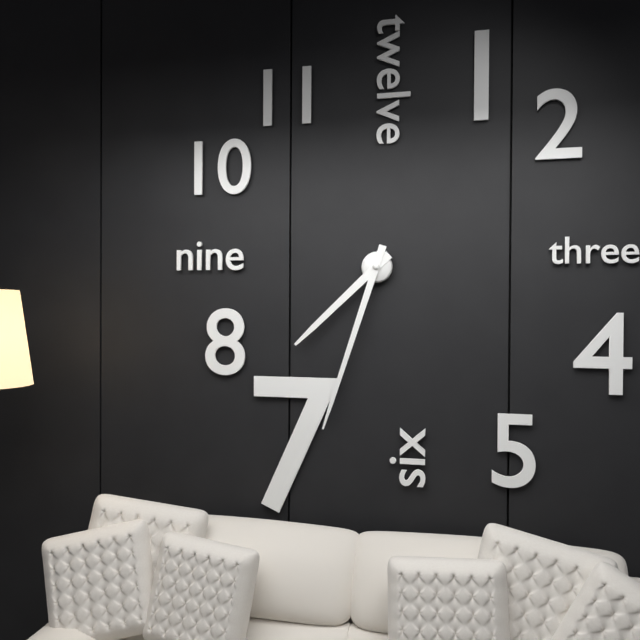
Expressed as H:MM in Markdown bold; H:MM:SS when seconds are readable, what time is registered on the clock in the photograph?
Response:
**7:33**
